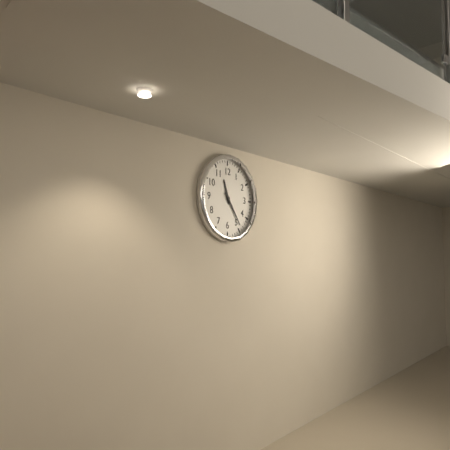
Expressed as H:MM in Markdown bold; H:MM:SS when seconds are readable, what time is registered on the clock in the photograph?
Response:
**11:24**
